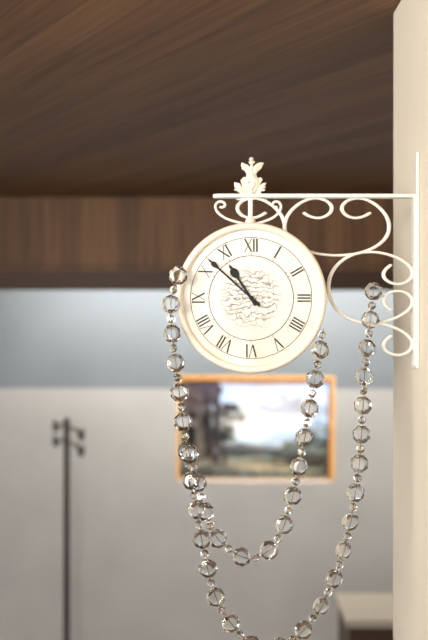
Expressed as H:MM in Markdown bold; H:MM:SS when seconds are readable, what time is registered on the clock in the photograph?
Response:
**10:52**
